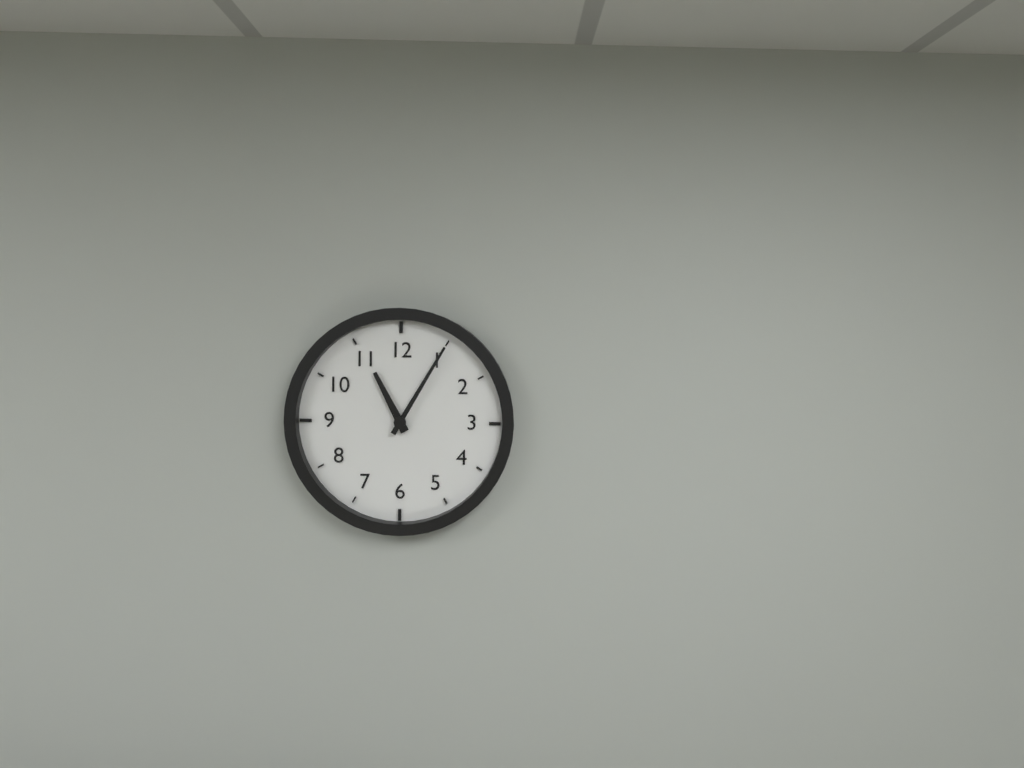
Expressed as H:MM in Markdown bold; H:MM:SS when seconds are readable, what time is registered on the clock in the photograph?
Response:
**11:05**
